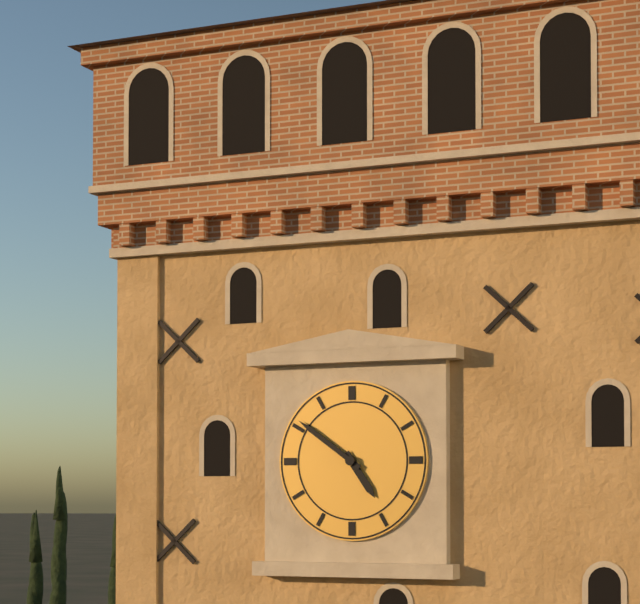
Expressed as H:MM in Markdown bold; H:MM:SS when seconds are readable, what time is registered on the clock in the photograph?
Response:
**4:51**
